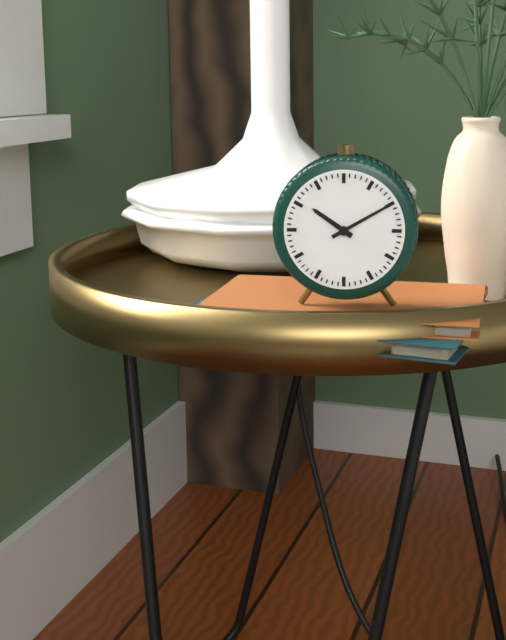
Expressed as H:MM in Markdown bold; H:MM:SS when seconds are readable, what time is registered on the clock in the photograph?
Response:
**10:10**
